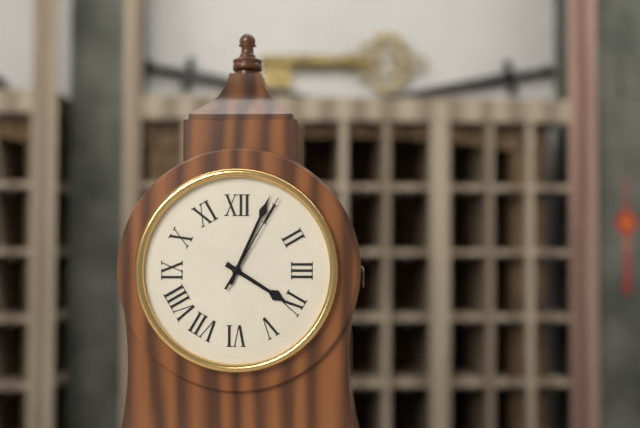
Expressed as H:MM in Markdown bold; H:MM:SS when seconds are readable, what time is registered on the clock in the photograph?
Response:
**4:04:05**
